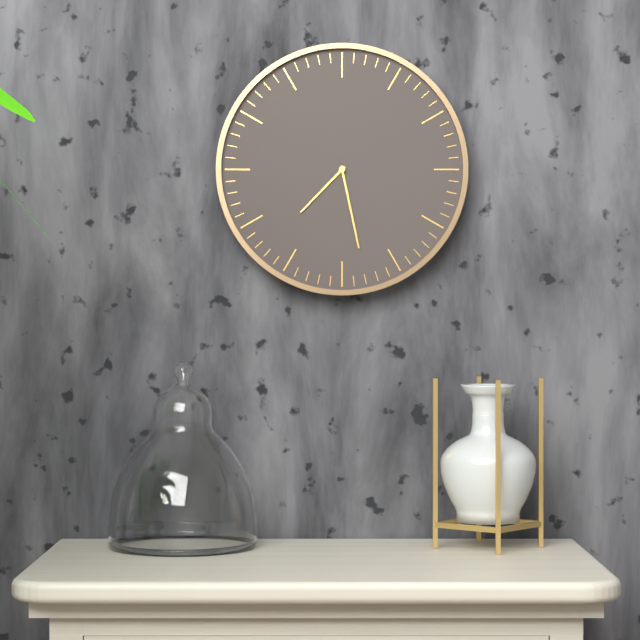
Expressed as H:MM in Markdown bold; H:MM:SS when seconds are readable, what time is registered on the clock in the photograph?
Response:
**7:28**
